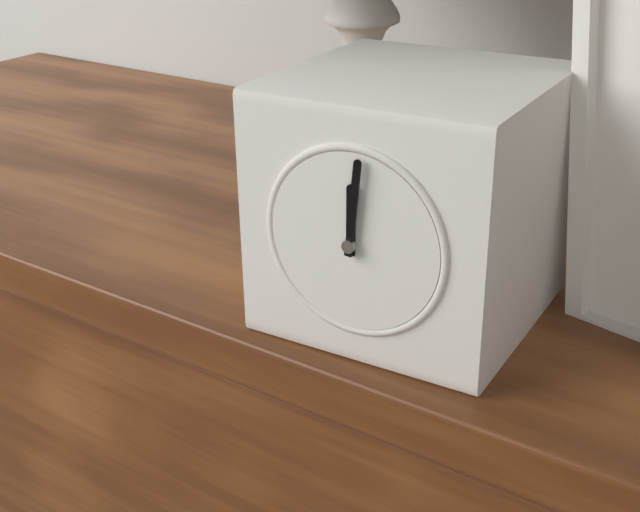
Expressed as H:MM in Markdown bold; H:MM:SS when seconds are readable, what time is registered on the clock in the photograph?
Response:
**12:01**
